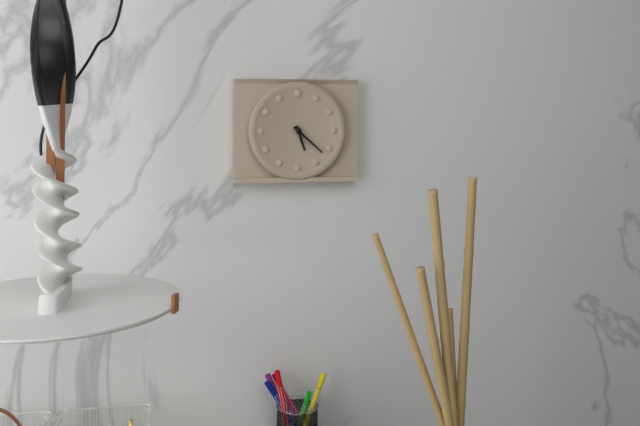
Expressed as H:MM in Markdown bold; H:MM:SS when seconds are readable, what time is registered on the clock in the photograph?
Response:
**5:22**
